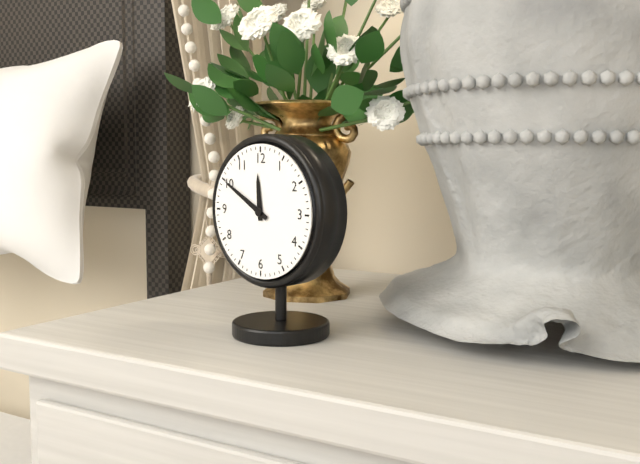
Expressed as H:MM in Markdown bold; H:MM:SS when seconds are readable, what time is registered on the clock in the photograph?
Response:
**11:50**
